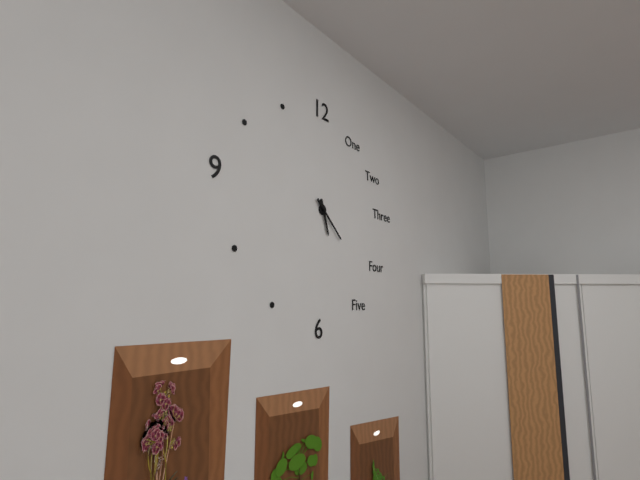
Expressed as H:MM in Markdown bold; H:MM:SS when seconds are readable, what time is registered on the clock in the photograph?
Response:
**5:22**
